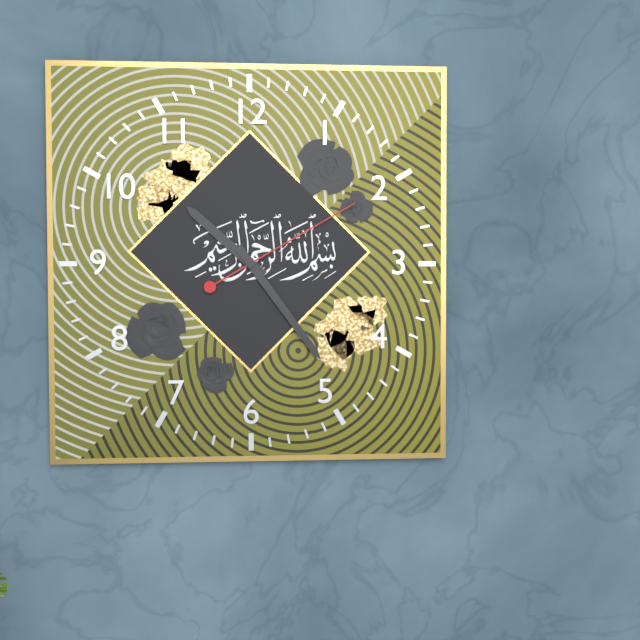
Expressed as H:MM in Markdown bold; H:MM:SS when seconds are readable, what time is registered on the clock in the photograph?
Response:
**10:24:10**
